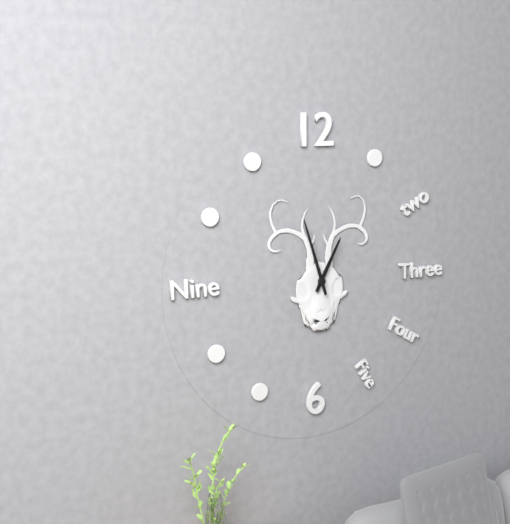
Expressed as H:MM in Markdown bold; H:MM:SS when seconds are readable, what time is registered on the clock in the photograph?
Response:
**12:57**
